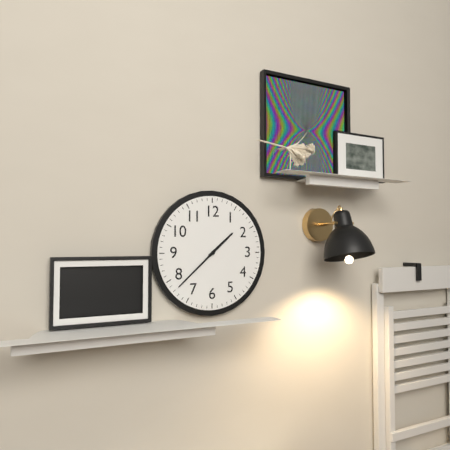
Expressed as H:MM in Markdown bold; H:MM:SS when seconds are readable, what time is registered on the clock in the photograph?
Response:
**1:38**
